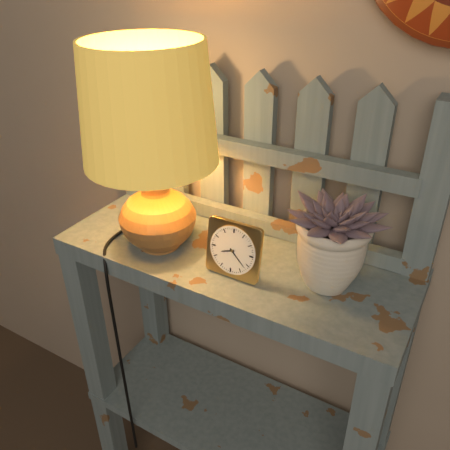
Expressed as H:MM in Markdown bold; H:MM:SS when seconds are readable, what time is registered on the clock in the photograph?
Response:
**8:22**
